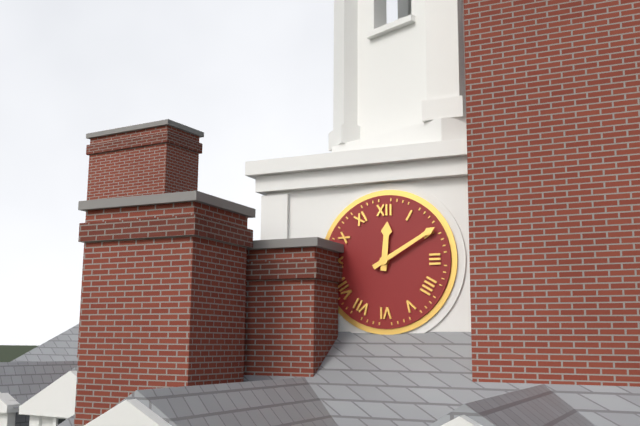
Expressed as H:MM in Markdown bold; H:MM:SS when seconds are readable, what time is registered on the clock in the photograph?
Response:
**12:10**
